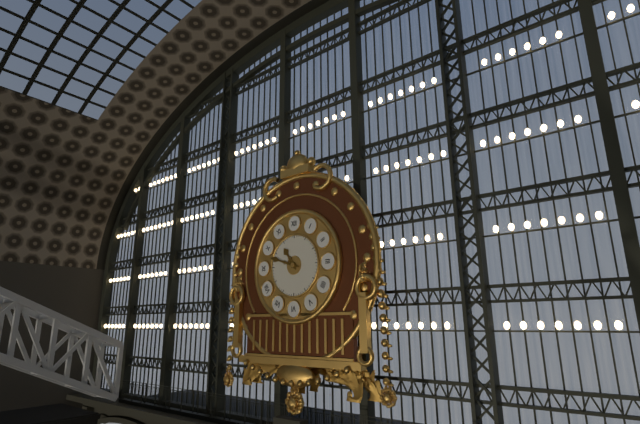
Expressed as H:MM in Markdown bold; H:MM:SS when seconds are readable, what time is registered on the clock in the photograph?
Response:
**10:48**
